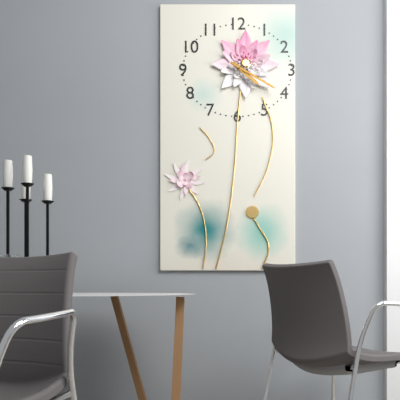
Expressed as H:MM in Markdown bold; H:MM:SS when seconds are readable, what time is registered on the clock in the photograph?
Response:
**4:20**
